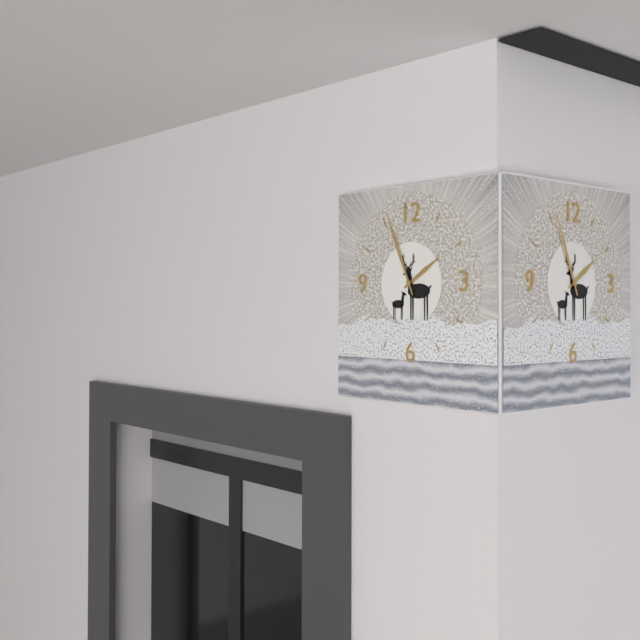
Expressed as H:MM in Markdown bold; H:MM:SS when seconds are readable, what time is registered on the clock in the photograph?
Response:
**1:56**
